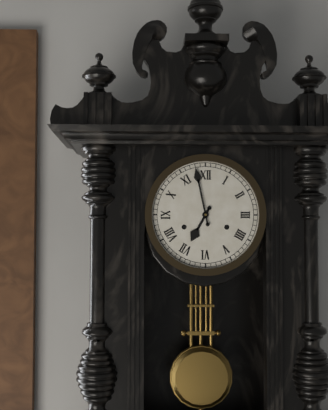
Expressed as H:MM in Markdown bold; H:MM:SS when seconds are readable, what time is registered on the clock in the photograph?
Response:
**6:58**
